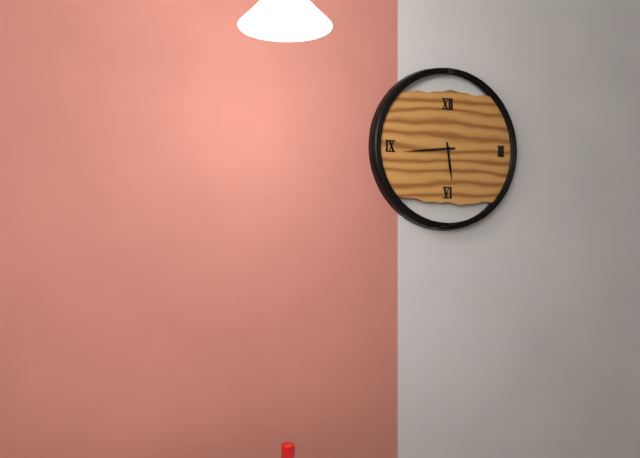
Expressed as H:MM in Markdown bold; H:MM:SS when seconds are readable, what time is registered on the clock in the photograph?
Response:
**5:44**
